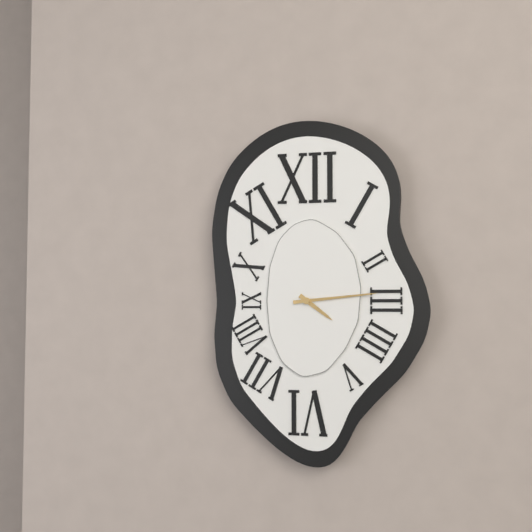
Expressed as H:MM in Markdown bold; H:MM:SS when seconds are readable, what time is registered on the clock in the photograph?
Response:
**4:14**
